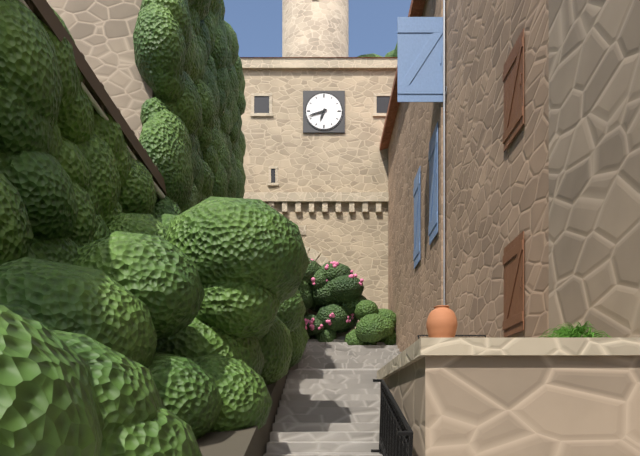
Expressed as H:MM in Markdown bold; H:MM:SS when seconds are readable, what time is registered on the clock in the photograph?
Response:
**6:42**
